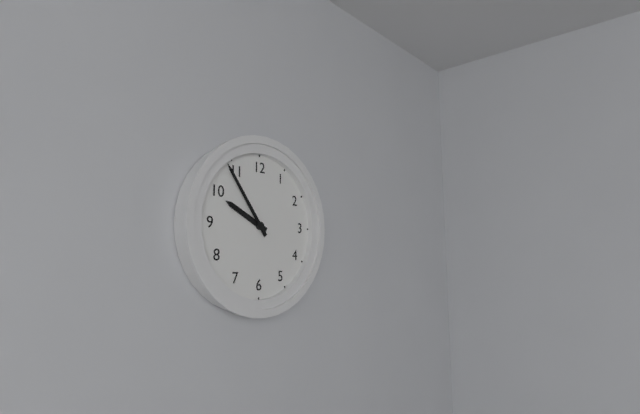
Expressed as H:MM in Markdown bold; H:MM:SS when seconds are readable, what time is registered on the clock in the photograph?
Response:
**9:54**
